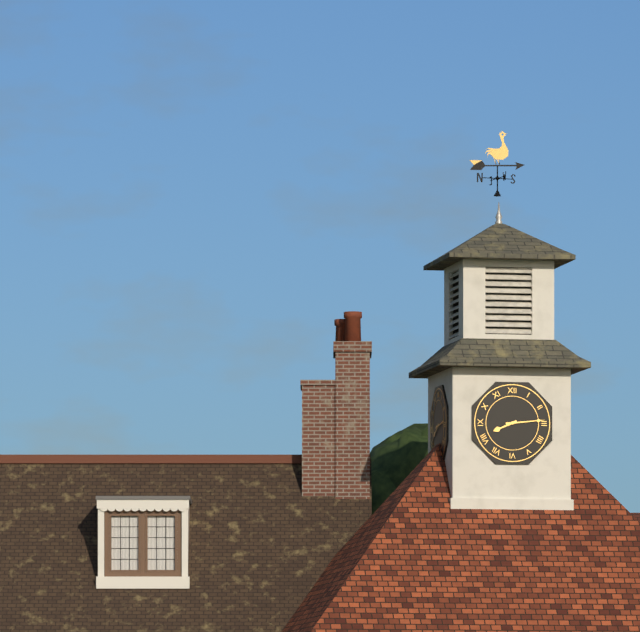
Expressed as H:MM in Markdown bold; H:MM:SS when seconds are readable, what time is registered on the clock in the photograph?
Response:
**8:14**
